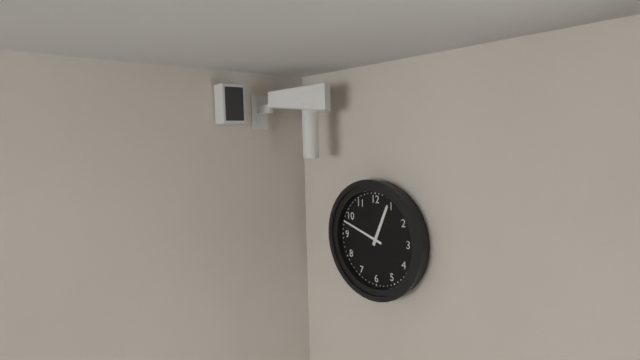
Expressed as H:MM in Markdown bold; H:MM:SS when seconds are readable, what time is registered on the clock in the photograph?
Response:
**12:48**
